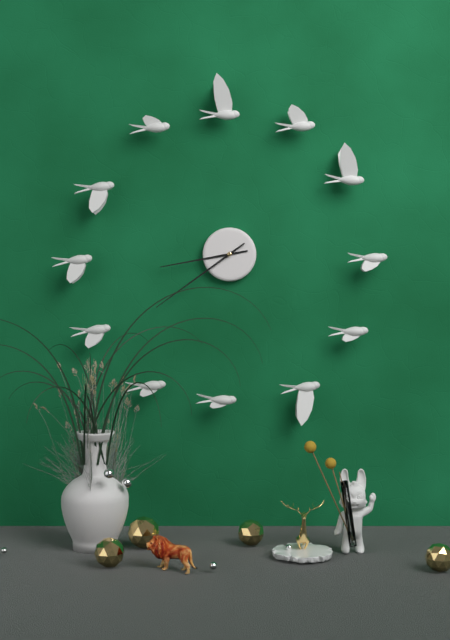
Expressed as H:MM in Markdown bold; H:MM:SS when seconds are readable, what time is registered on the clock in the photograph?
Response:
**8:39**
